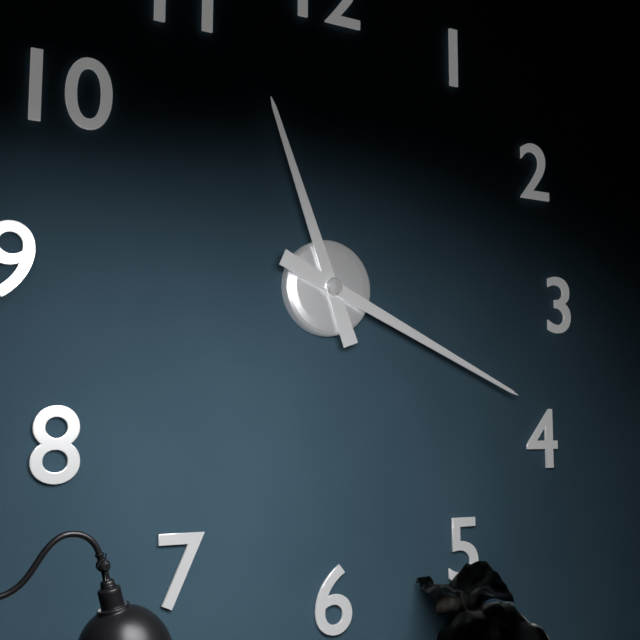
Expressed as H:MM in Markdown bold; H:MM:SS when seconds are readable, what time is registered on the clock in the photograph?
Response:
**11:19**
